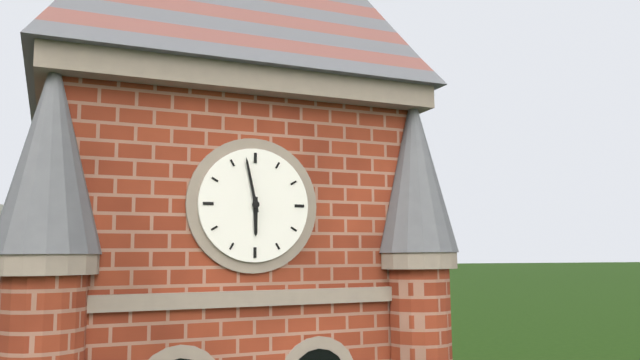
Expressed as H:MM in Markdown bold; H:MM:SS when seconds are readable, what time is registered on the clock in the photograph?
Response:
**5:58**
